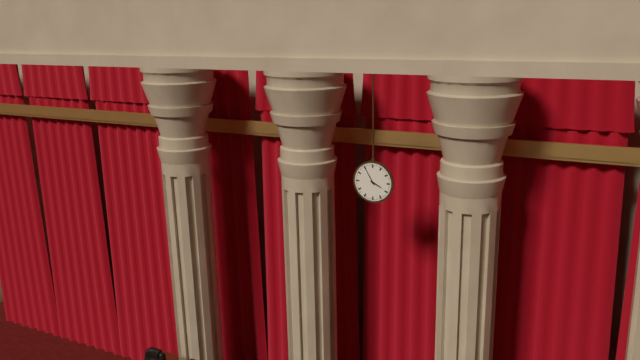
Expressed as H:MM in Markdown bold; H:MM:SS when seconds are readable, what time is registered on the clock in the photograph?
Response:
**3:55**
